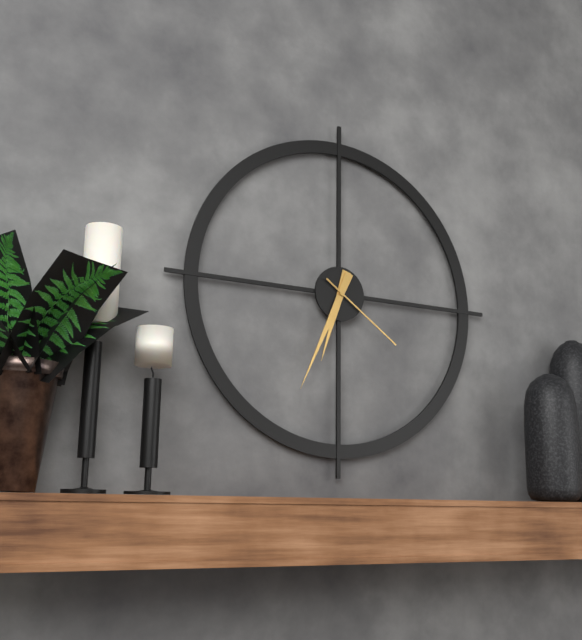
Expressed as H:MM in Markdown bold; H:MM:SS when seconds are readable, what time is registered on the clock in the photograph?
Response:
**6:34:21**
